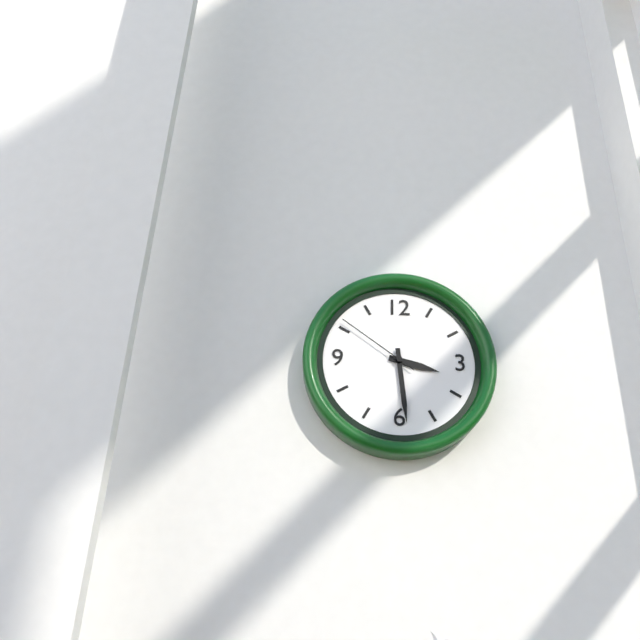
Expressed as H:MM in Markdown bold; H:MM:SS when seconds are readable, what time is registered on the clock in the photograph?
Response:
**3:29:51**
